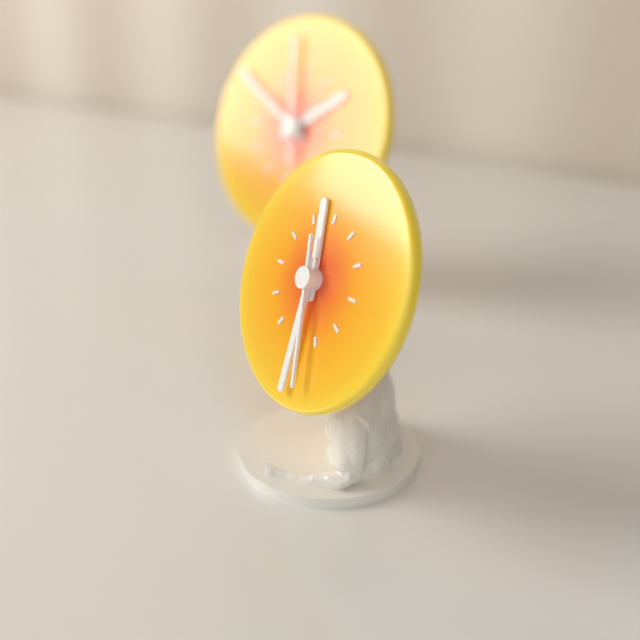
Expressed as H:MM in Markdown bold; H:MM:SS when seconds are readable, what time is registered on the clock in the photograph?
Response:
**11:29:27**
